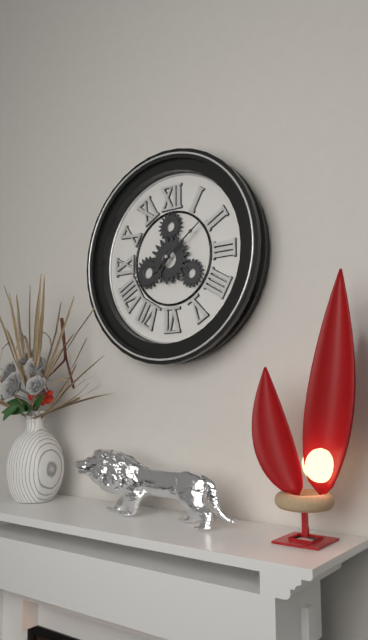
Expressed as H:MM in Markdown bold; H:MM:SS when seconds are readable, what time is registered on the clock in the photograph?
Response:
**7:09**
